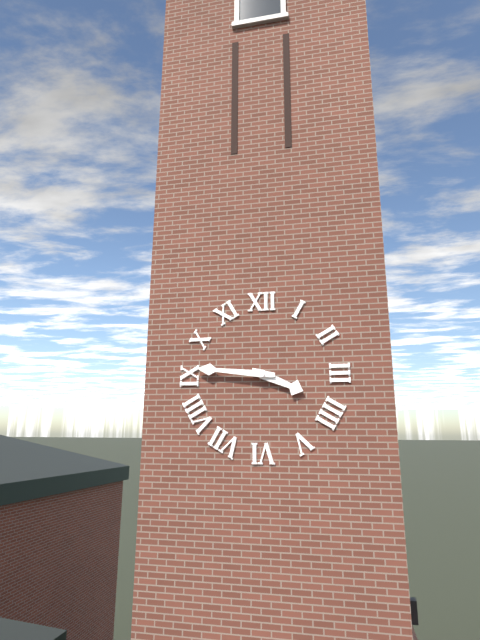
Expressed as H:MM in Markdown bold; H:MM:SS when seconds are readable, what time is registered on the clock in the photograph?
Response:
**3:46**
